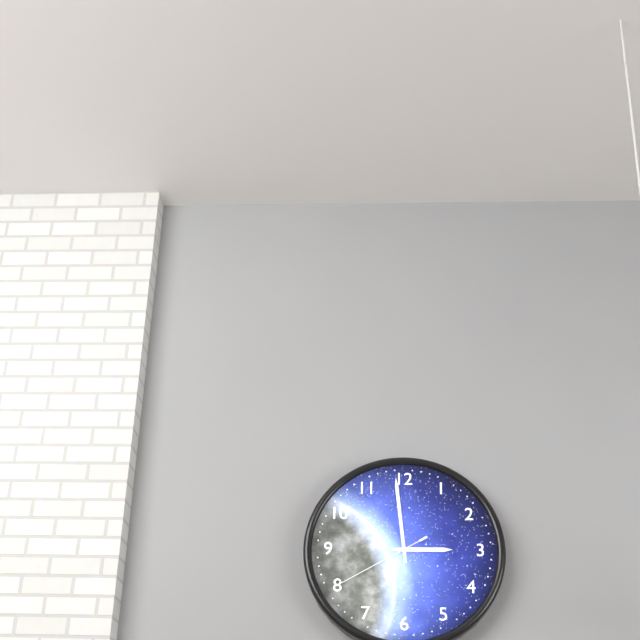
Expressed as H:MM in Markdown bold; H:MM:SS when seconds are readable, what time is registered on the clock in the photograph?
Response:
**2:59:40**
